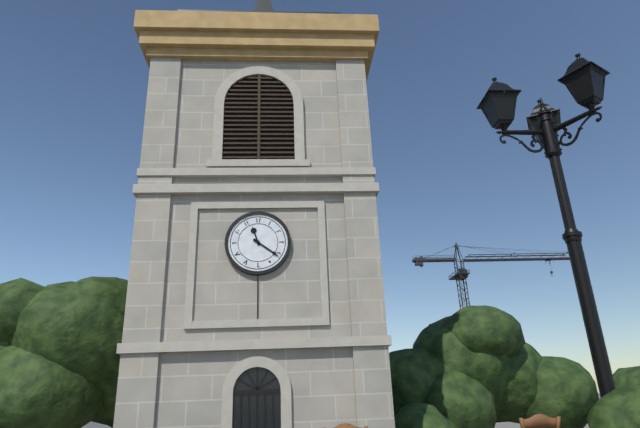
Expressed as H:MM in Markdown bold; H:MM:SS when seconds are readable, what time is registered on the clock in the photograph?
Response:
**11:21**
